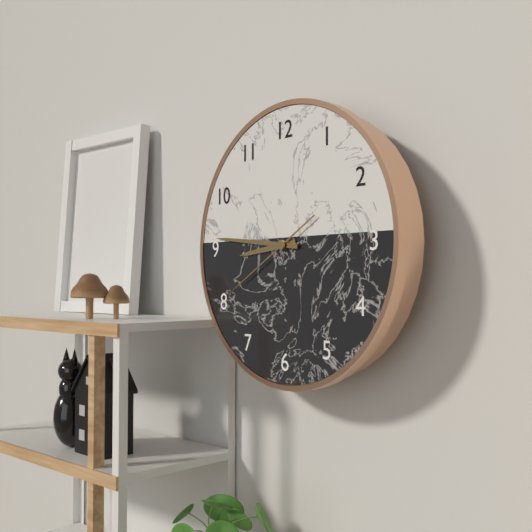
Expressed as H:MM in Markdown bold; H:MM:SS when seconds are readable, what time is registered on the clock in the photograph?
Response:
**8:46:40**
